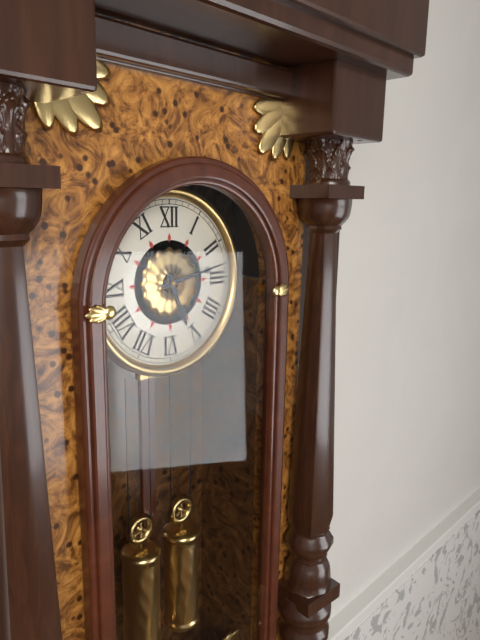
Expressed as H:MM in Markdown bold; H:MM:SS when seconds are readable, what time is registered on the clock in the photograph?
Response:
**5:13**
